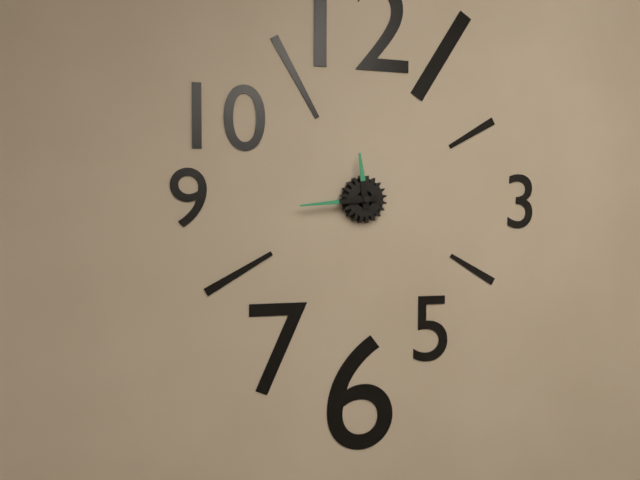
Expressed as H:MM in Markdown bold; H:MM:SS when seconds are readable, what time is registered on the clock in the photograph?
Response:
**11:44**
